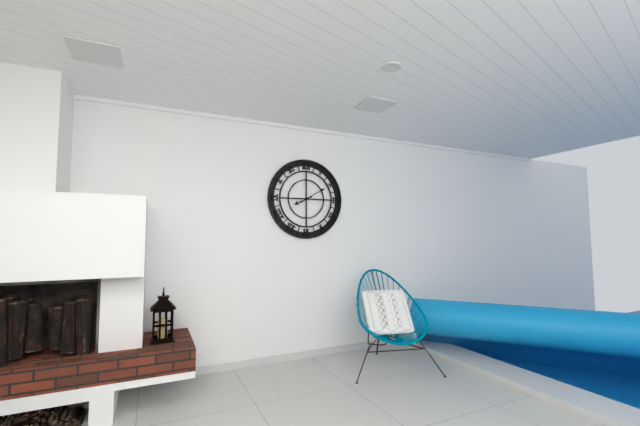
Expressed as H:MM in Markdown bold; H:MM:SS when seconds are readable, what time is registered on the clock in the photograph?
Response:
**8:10**
